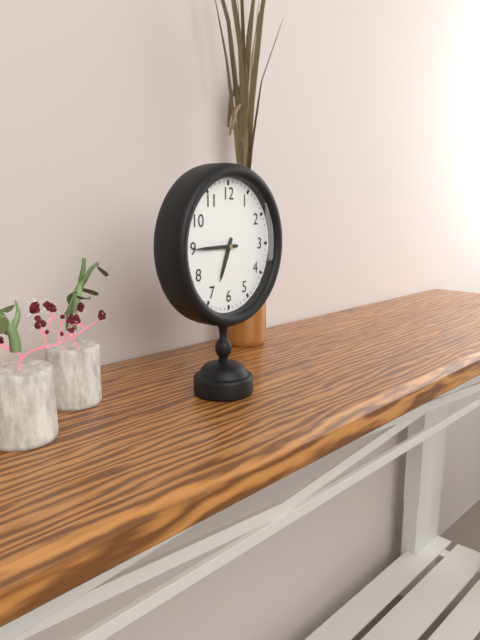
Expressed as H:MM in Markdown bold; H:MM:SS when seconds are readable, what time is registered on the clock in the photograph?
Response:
**6:45**
